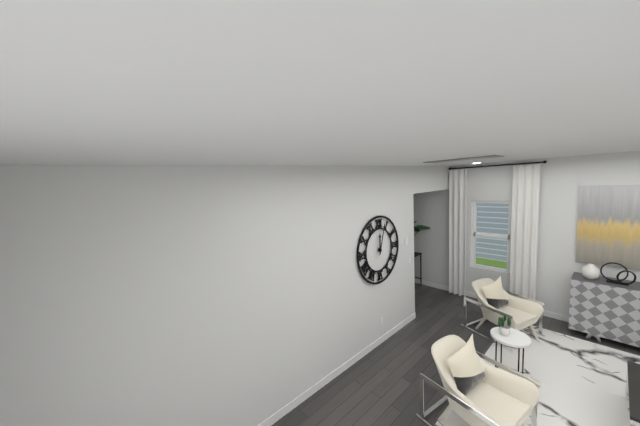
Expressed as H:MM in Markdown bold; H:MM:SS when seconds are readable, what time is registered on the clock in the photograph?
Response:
**12:03**
